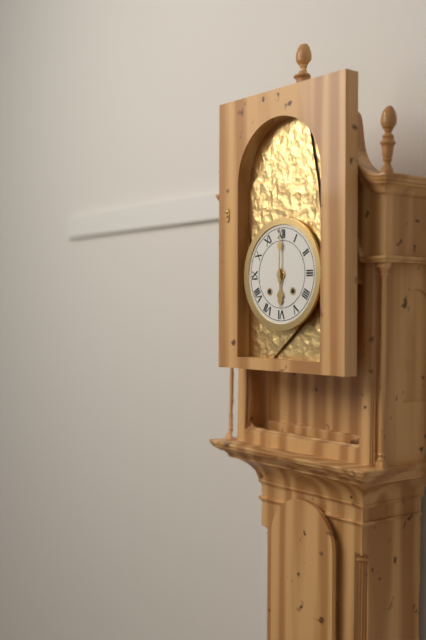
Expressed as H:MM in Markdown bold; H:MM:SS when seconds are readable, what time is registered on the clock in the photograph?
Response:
**6:00**
